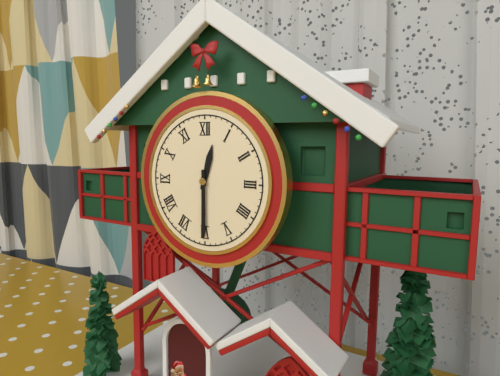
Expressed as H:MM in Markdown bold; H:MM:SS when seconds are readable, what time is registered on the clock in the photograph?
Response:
**12:30**
